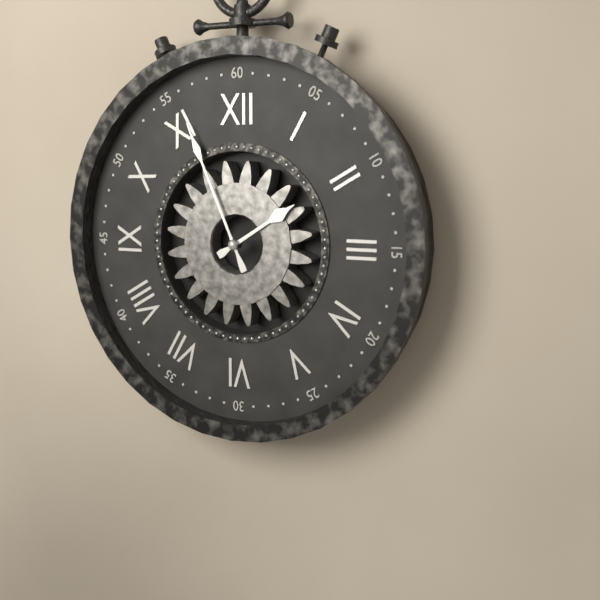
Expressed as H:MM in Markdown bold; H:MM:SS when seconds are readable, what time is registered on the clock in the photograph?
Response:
**1:56**
